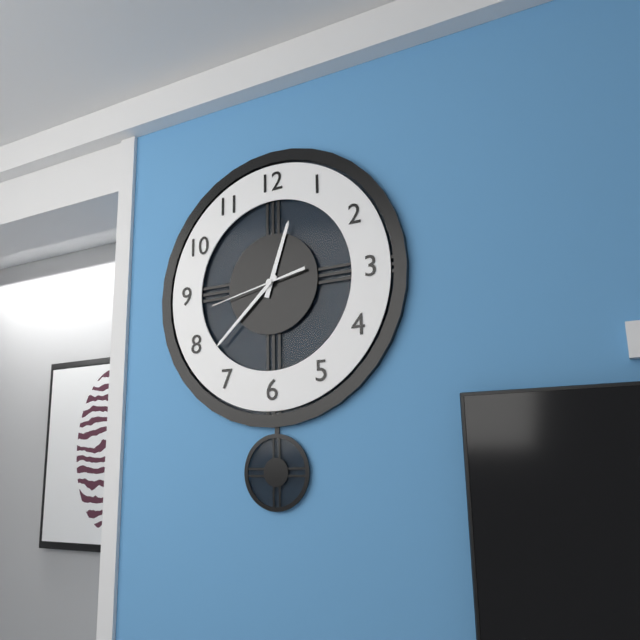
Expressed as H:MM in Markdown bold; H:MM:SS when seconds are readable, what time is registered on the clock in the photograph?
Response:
**12:38:43**
